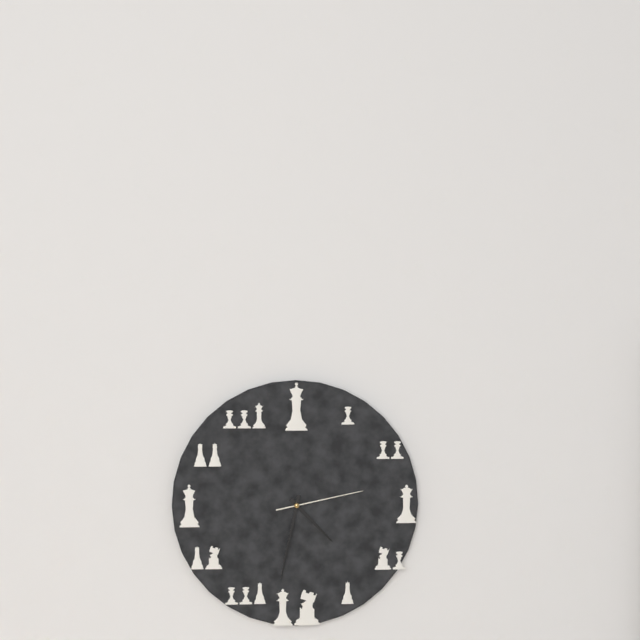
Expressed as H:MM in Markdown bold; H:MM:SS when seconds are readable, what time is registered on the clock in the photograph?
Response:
**4:32:13**
